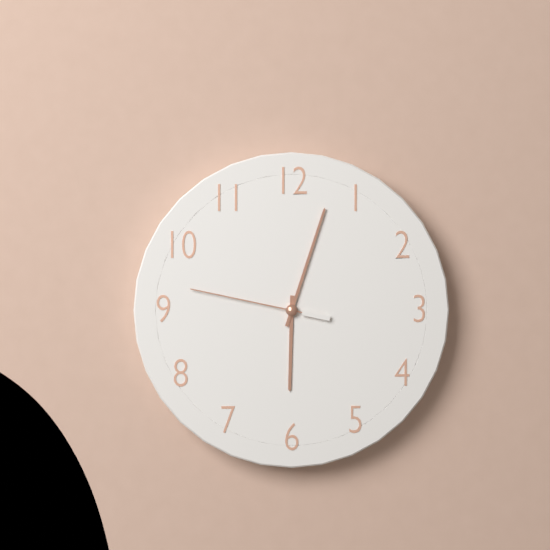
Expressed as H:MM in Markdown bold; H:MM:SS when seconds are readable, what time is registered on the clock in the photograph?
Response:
**6:03:47**
